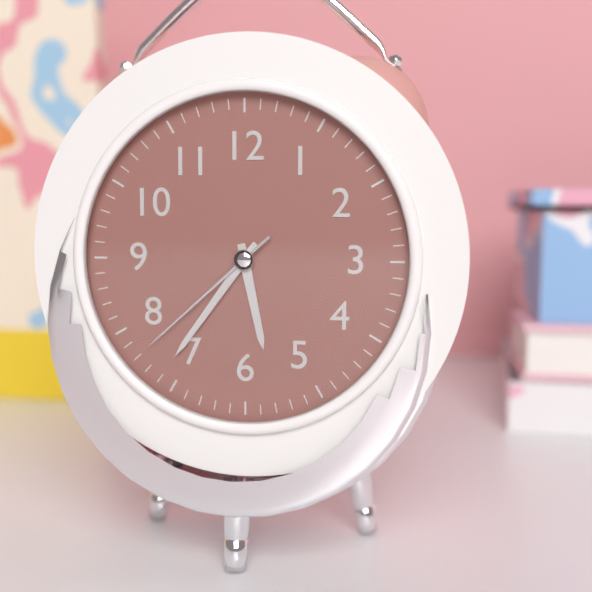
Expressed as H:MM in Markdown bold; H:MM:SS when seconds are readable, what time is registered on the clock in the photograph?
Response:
**5:36:38**
